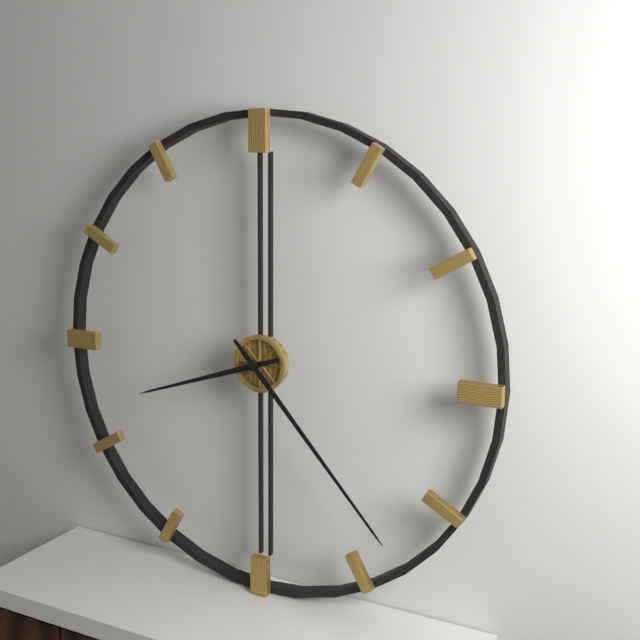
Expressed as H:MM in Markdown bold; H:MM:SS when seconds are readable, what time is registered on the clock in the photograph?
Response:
**8:23**
